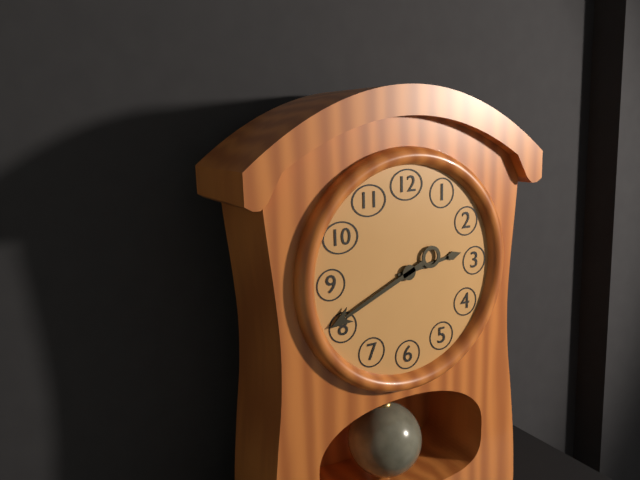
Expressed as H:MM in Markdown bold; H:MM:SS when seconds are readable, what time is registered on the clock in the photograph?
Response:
**2:41**
